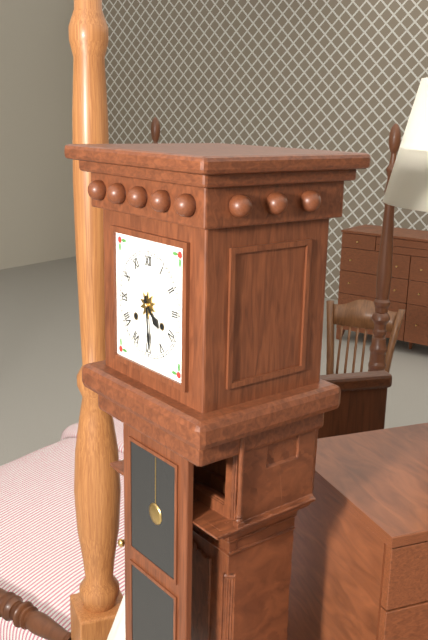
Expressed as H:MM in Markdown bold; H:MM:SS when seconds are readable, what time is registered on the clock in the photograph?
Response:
**4:29**
